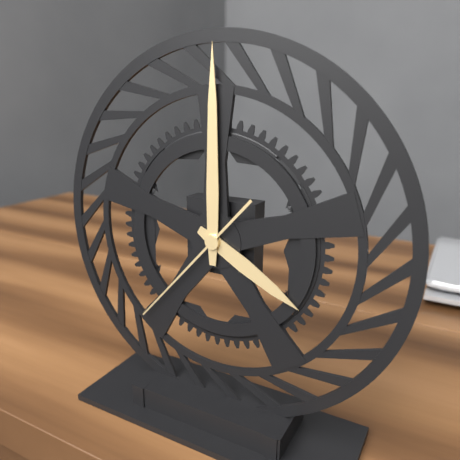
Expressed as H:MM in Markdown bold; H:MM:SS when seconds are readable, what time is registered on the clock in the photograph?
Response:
**4:00:37**
